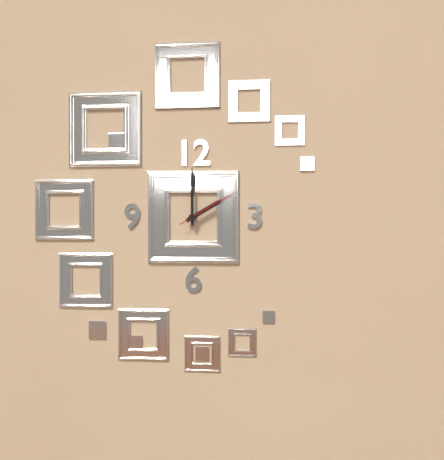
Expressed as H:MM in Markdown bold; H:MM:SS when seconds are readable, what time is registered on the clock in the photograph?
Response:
**2:00:10**
